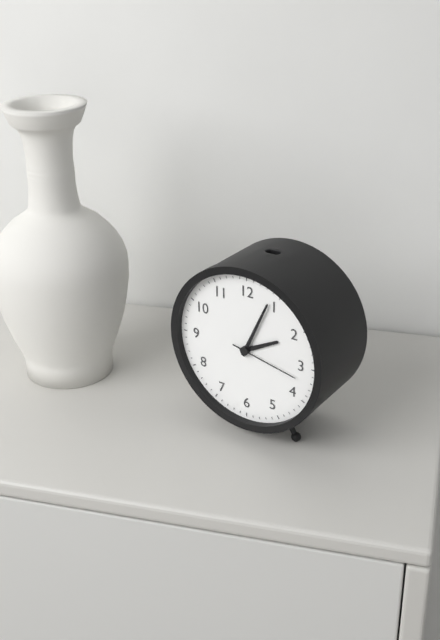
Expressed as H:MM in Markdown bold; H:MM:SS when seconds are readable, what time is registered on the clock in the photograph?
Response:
**2:04:17**
